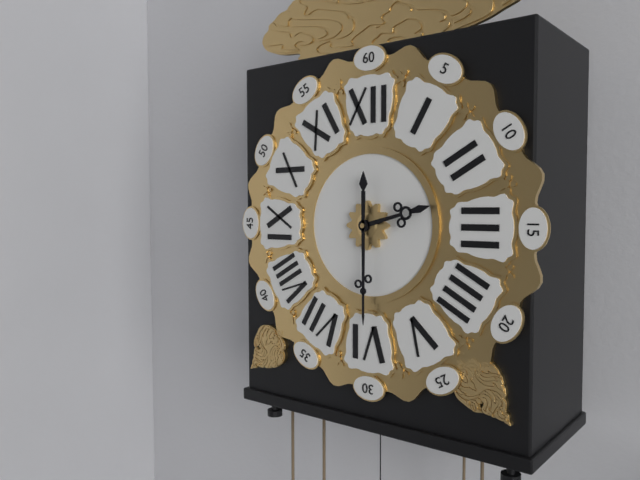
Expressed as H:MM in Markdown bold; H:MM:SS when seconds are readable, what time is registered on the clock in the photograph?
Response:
**2:30**
